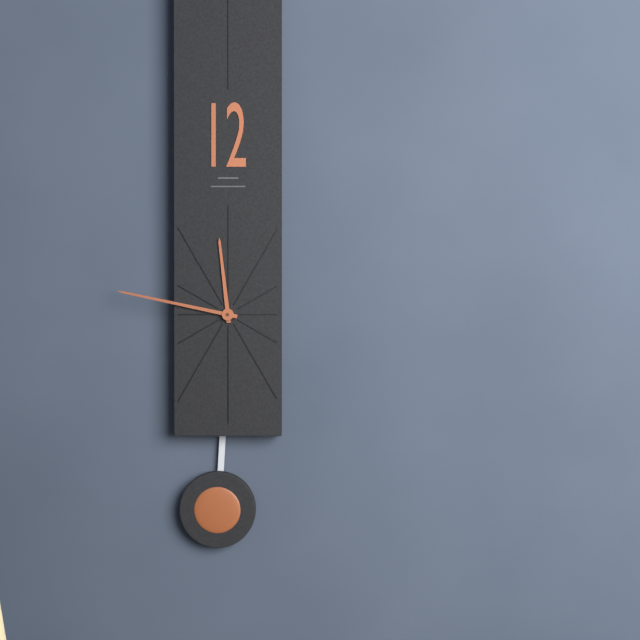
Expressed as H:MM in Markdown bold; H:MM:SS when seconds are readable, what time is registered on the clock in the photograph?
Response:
**11:47**
